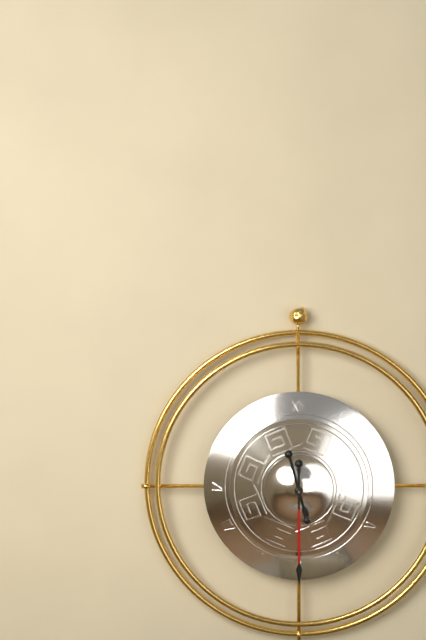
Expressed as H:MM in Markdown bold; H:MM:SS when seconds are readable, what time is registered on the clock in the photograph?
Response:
**11:30**
